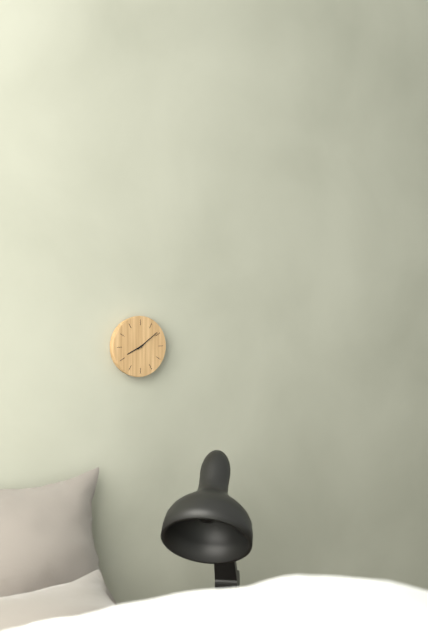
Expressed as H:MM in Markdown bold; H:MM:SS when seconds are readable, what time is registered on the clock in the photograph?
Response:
**8:09**
